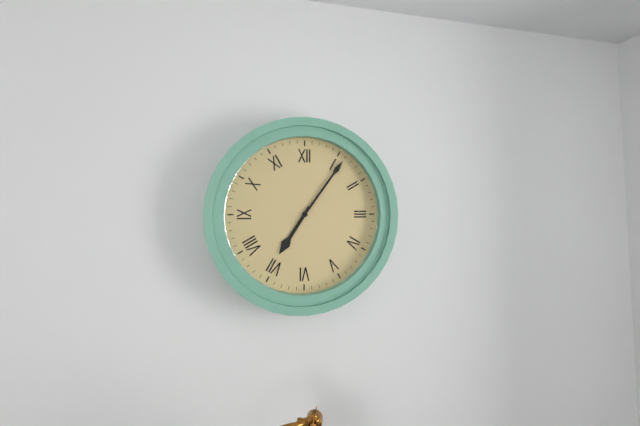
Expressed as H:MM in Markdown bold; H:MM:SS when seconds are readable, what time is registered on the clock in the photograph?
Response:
**7:06**
